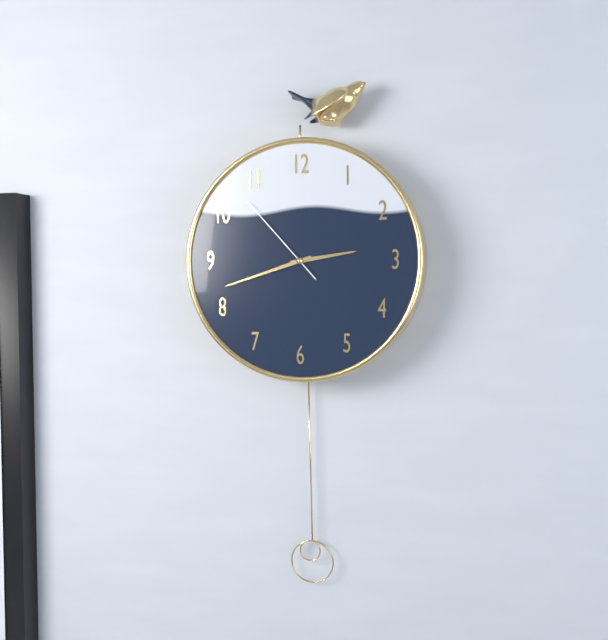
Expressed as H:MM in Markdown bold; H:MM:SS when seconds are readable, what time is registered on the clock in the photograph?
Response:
**2:42:53**
